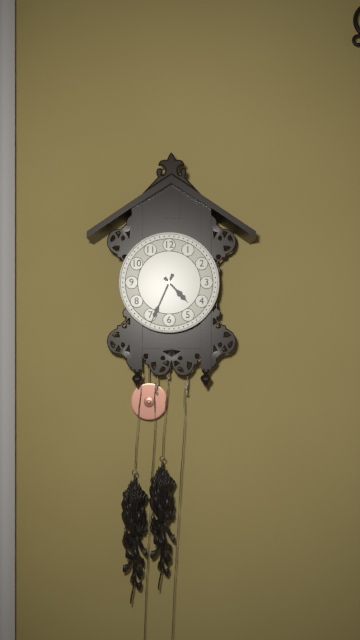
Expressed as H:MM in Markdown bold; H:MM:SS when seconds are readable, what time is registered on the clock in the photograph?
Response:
**4:34**
